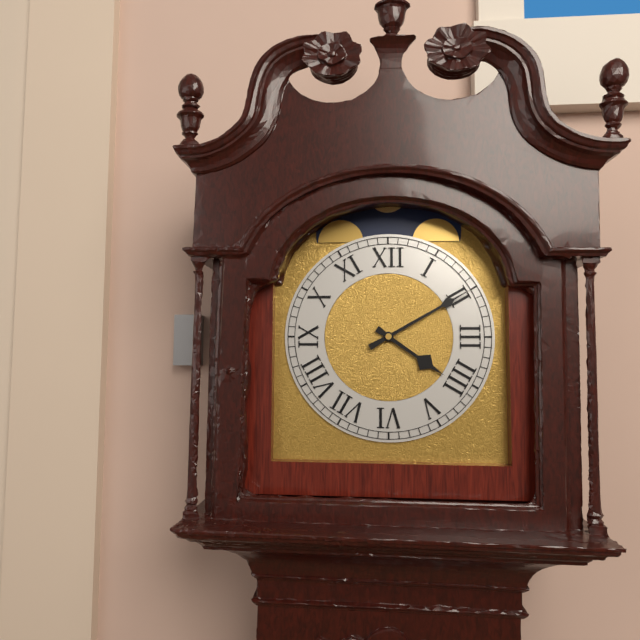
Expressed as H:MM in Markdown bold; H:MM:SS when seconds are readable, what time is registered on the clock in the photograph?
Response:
**4:10**
